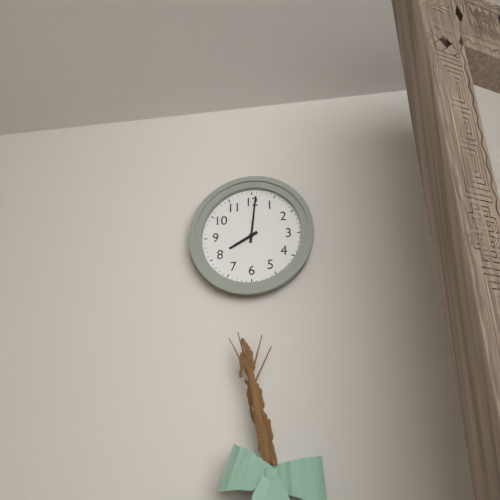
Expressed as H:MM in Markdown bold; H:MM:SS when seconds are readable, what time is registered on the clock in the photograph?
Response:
**8:01**
